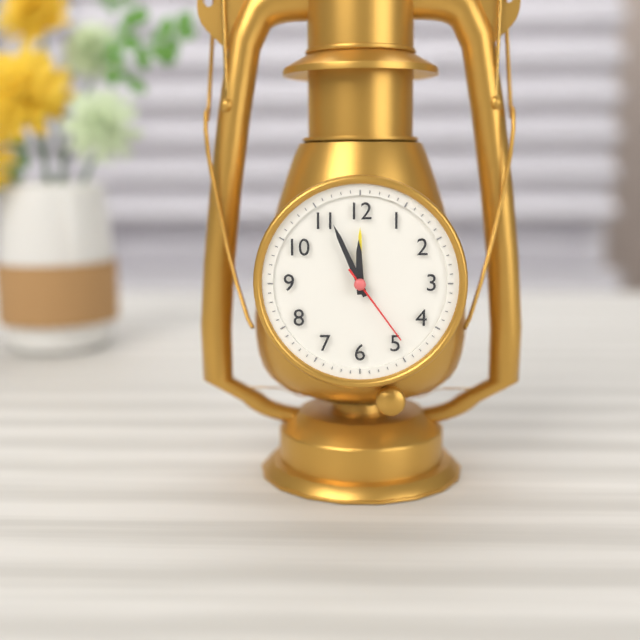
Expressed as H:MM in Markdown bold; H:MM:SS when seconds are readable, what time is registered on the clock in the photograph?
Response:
**11:56:24**
